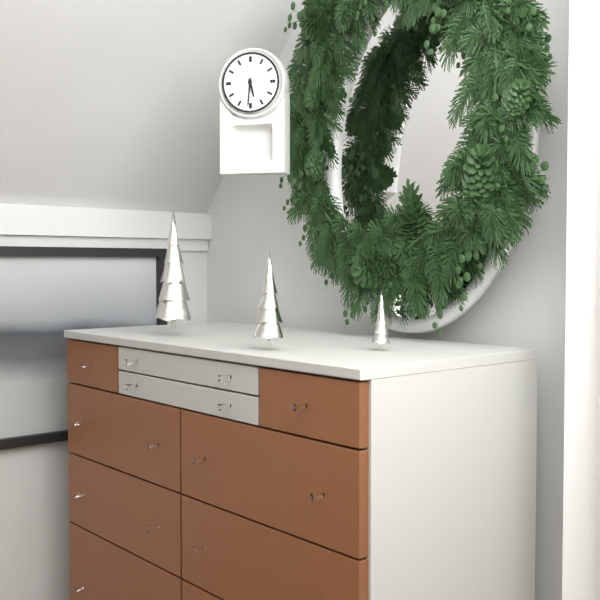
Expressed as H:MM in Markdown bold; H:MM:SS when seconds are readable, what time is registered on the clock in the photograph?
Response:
**5:31**
